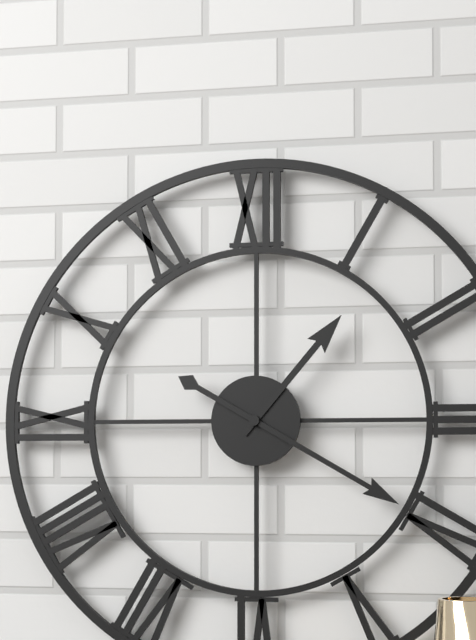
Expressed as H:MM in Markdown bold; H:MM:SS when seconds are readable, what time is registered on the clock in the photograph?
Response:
**1:20**
